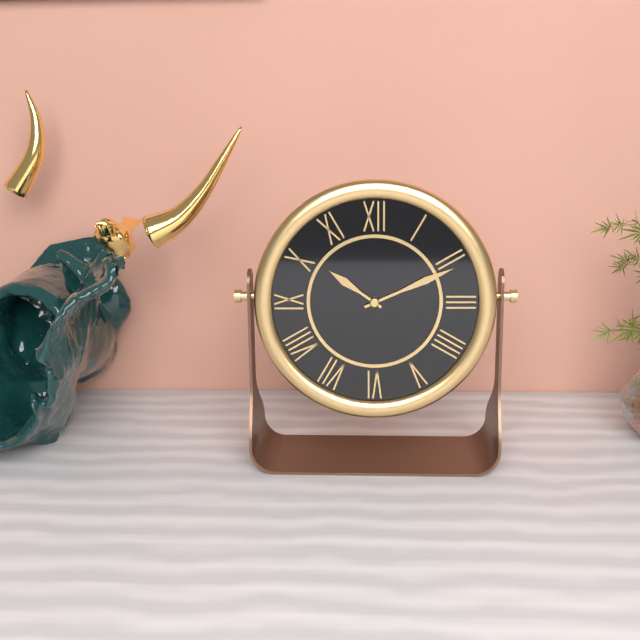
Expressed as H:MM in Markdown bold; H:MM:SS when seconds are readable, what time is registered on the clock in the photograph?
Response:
**10:11**
